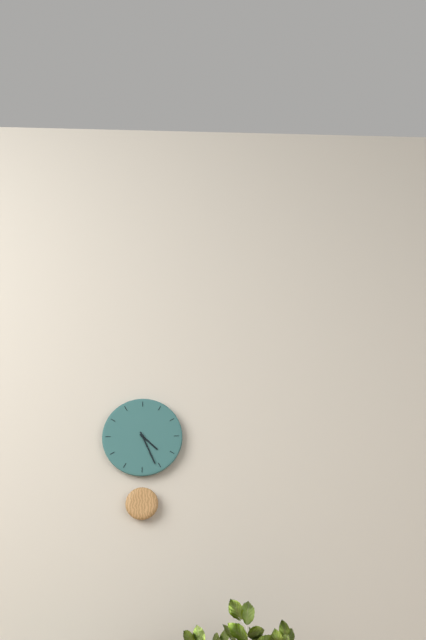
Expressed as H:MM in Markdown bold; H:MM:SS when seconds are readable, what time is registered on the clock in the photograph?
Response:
**4:26**
